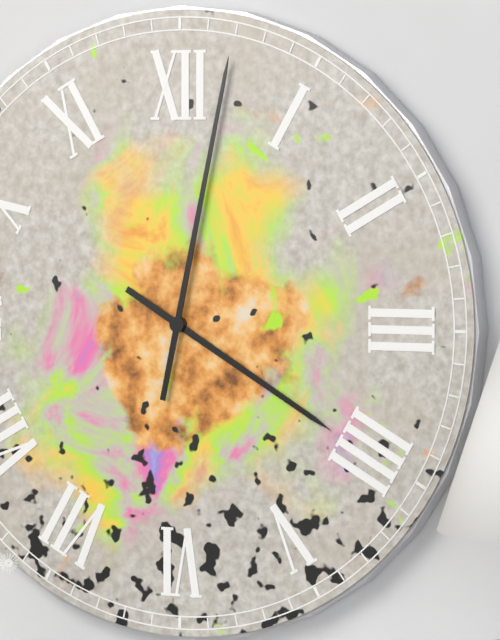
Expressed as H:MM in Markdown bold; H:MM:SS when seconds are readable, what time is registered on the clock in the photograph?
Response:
**4:02**
